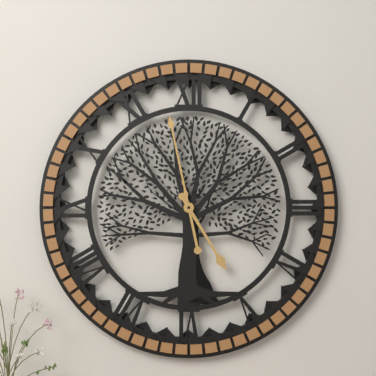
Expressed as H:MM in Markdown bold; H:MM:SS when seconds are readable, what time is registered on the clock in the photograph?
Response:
**4:58**
